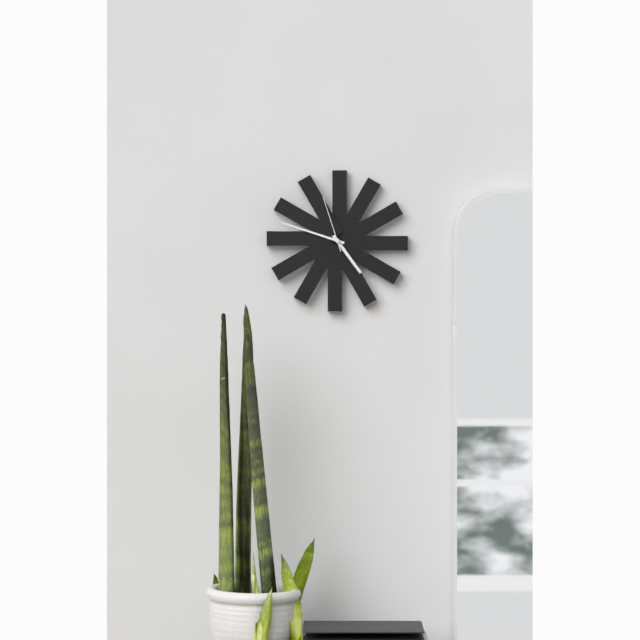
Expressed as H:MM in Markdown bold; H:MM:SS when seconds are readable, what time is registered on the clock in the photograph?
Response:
**4:48:57**
